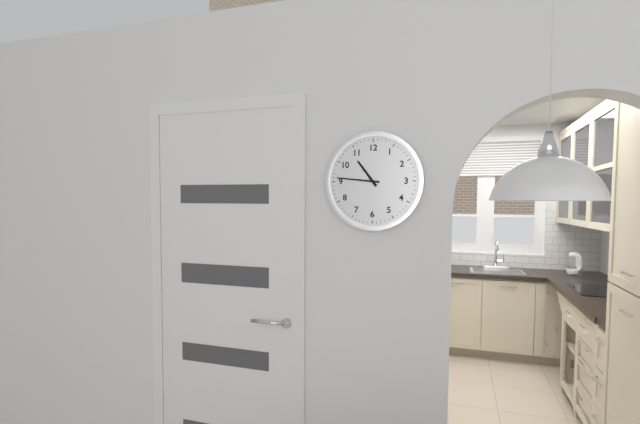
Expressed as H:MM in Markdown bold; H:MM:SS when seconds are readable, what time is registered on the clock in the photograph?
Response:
**10:46**
